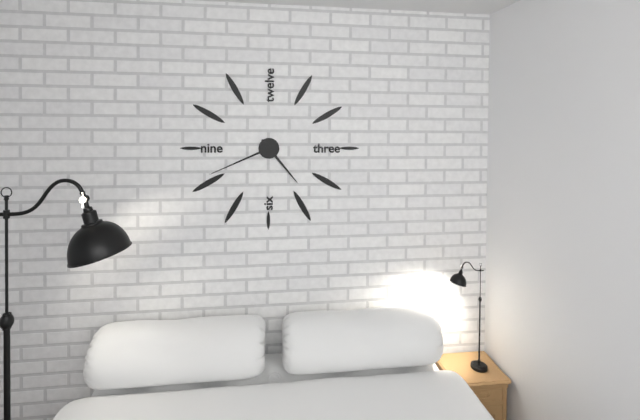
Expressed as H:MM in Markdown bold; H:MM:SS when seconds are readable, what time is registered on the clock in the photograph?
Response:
**4:41**
